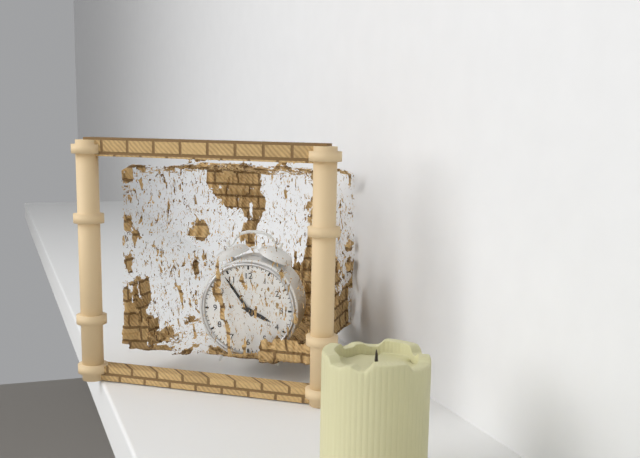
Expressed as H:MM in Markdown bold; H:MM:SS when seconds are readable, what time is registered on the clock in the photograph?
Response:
**3:54**
